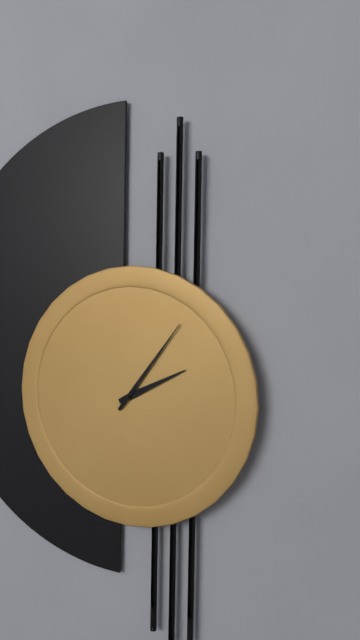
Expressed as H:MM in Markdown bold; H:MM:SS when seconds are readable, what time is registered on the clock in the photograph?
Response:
**2:06**
